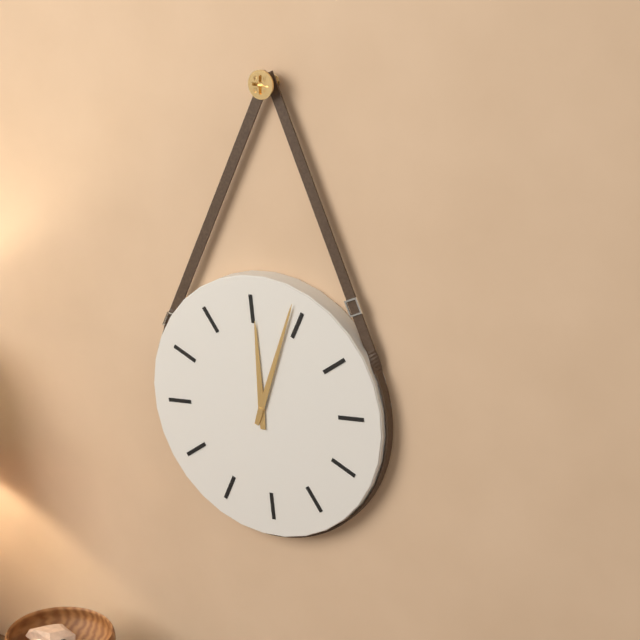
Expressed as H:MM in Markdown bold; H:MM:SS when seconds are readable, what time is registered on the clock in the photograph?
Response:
**12:04**
